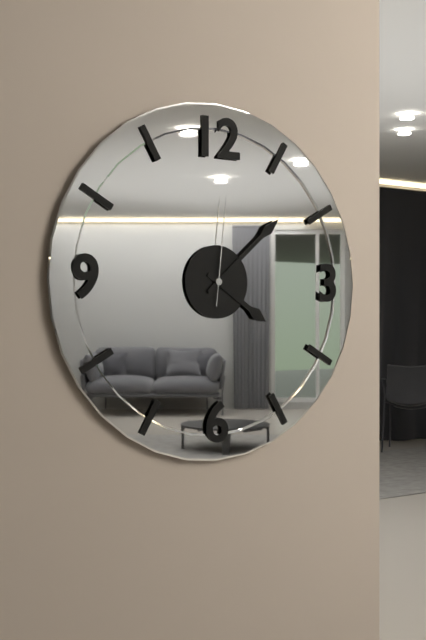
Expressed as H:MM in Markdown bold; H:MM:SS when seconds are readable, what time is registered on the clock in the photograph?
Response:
**4:08:01**
